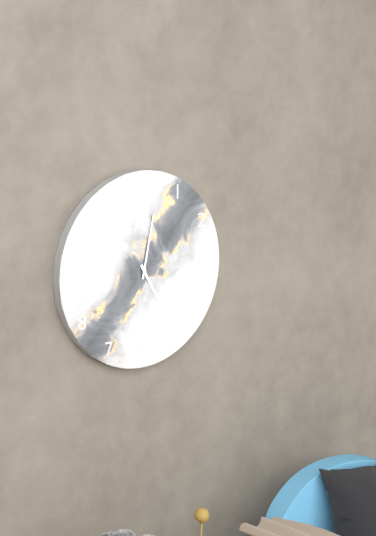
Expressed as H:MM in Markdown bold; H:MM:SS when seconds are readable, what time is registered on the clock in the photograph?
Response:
**5:02**
